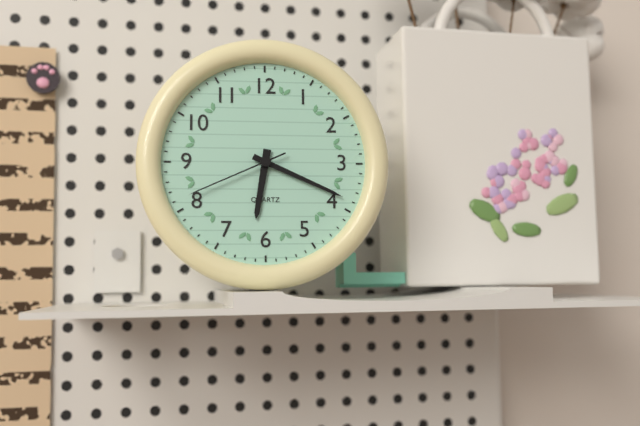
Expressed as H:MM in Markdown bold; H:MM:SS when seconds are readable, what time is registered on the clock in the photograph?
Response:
**6:19:41**
